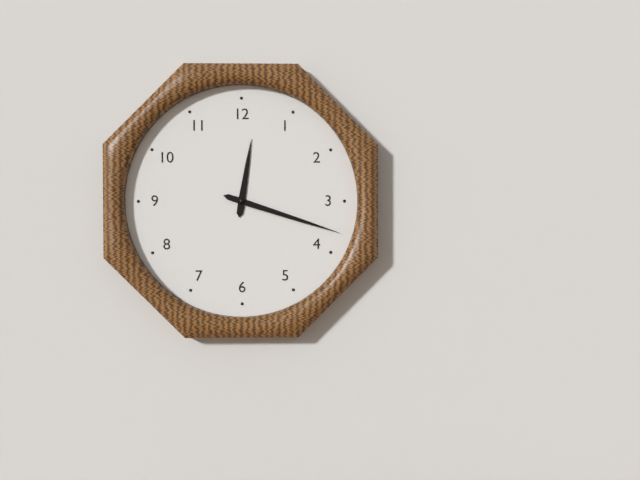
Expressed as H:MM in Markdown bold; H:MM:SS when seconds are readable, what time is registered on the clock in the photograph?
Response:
**12:18**
